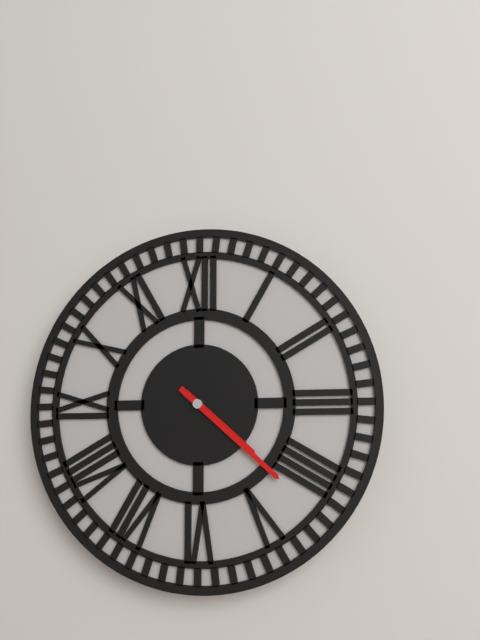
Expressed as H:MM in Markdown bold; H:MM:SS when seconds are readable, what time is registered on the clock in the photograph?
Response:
**4:22**
